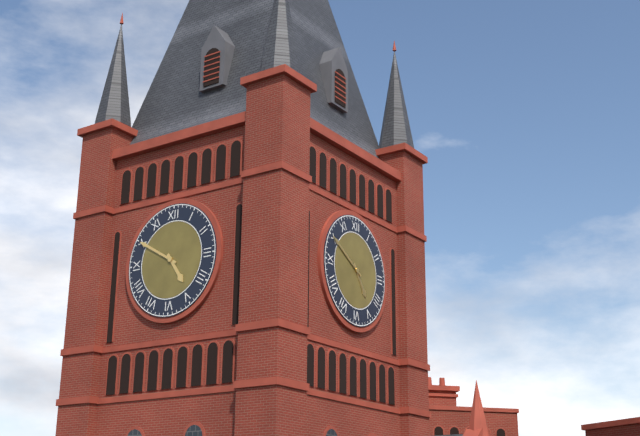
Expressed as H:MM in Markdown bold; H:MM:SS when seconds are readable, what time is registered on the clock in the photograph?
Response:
**4:50**
